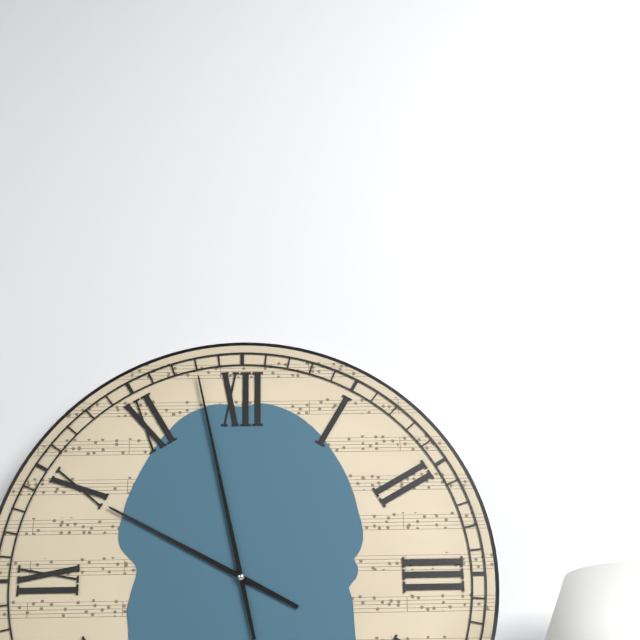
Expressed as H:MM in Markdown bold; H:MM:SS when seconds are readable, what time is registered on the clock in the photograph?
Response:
**9:58**
